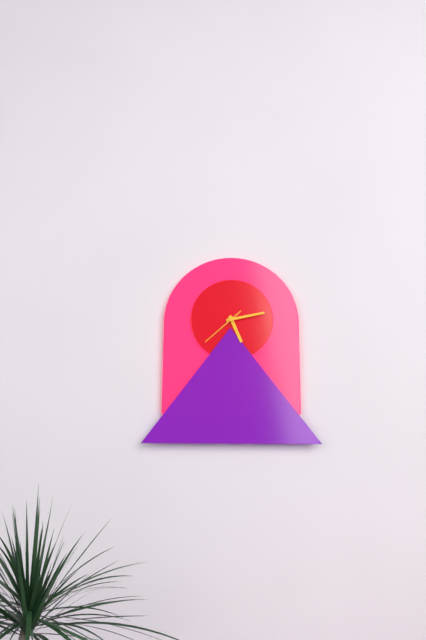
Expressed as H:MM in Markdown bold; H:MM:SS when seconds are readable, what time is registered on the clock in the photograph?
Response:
**5:13**
